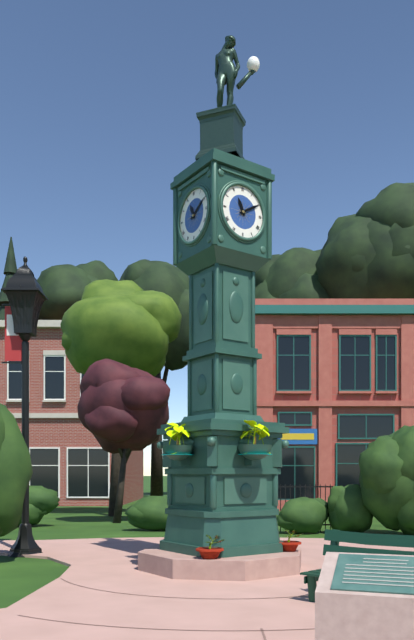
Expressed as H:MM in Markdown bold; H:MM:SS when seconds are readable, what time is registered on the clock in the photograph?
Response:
**11:10**
